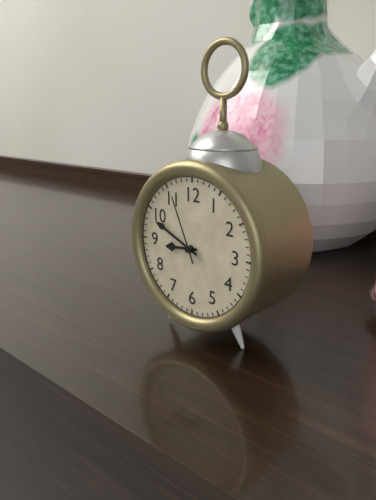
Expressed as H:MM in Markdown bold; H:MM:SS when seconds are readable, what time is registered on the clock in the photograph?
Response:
**8:49:56**
